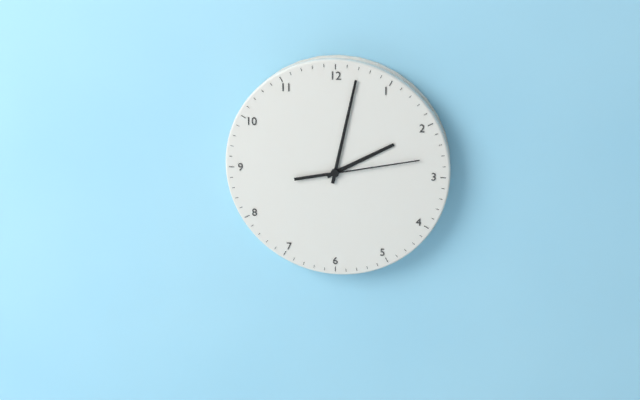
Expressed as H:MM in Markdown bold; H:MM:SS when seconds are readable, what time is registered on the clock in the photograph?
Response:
**2:02:13**
